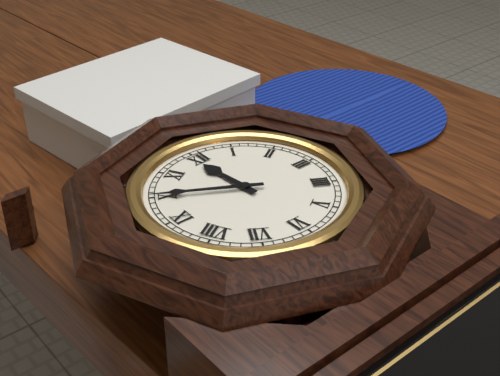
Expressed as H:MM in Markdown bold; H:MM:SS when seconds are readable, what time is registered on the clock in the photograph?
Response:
**11:50**
